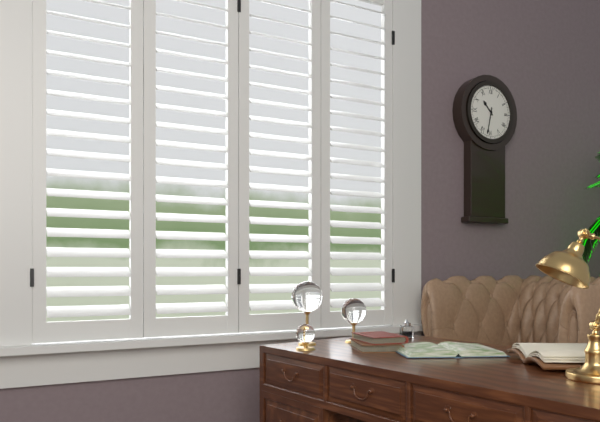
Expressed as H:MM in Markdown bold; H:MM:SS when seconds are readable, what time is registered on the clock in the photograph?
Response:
**10:32**
